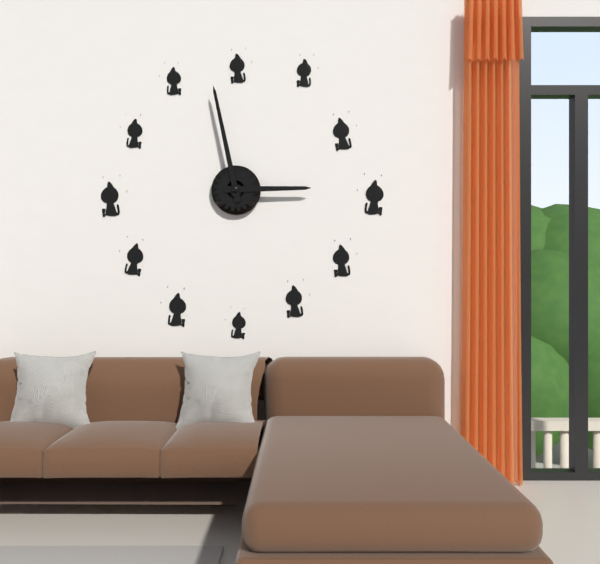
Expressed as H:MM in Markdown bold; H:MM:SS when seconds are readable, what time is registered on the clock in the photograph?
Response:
**2:58**
